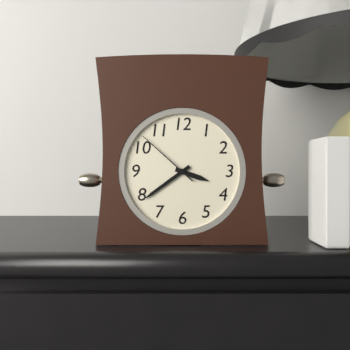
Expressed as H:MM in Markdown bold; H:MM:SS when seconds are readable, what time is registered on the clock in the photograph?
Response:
**3:39:52**
